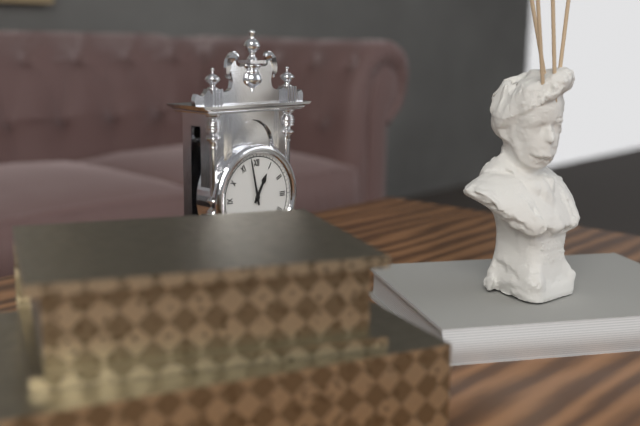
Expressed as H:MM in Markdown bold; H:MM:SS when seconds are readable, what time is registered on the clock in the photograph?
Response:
**12:58**
